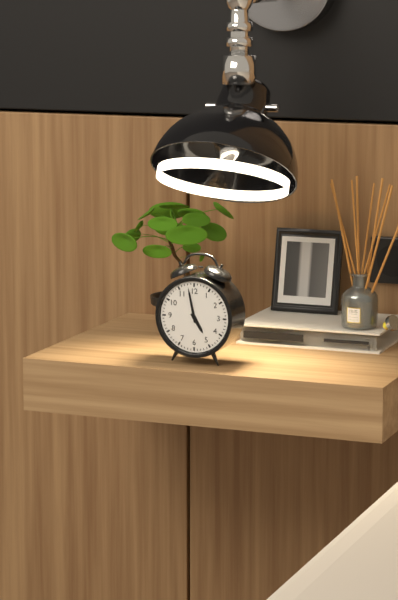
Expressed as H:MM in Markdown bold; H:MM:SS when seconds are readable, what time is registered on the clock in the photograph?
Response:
**4:58**
